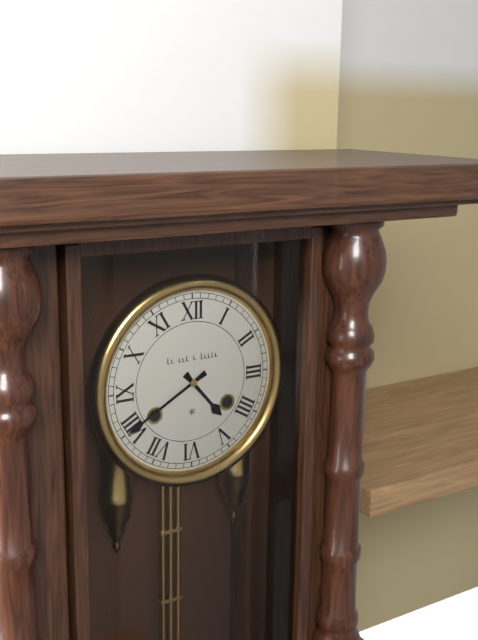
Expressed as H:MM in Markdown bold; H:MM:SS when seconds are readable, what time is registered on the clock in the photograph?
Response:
**4:40**
